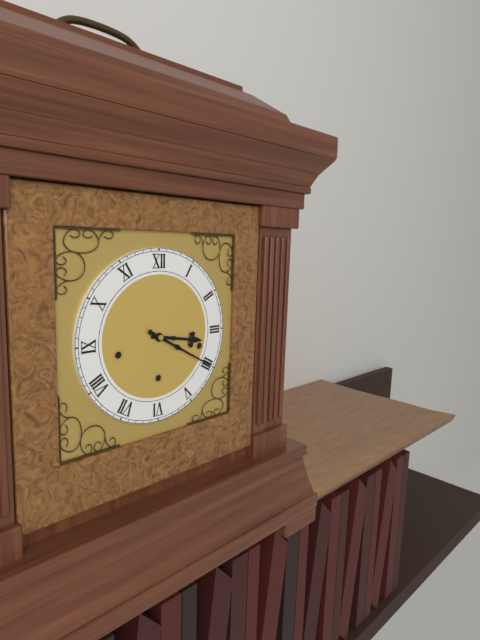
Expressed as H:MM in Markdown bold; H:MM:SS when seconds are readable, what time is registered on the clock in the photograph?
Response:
**3:20**
